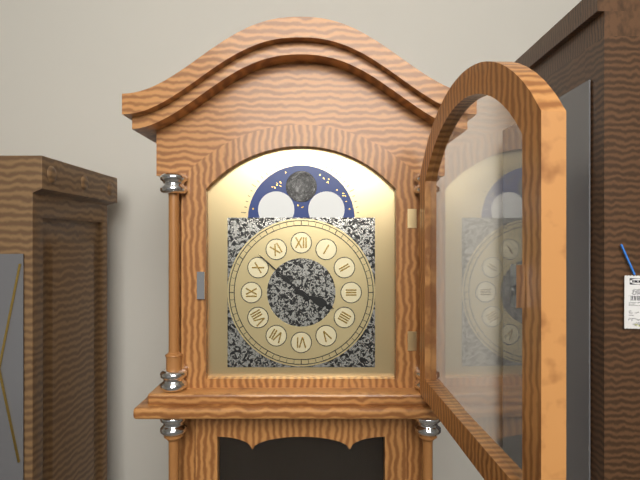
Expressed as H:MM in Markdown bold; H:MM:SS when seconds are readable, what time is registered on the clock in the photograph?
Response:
**3:52**
